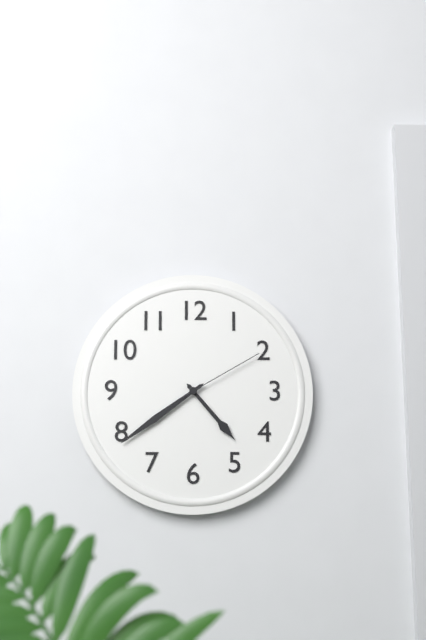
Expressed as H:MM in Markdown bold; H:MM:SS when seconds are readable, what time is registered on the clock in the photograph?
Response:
**4:39:10**
